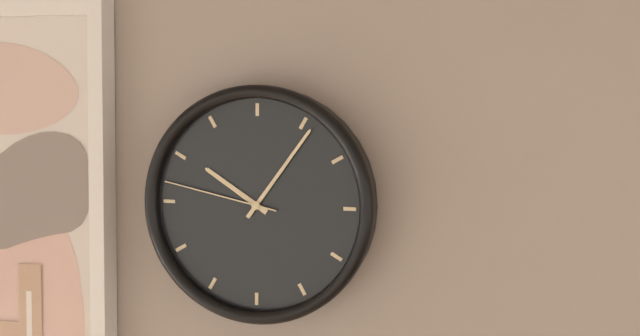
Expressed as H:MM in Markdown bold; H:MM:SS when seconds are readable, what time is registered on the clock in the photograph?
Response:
**10:06:47**
